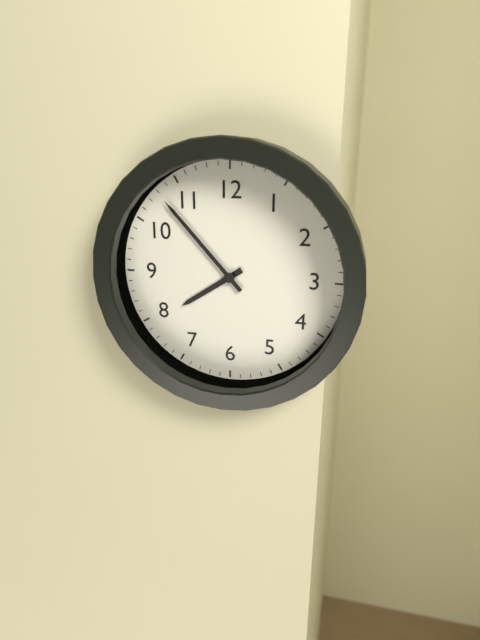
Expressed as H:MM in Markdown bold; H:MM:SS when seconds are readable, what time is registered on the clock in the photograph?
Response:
**7:53**
